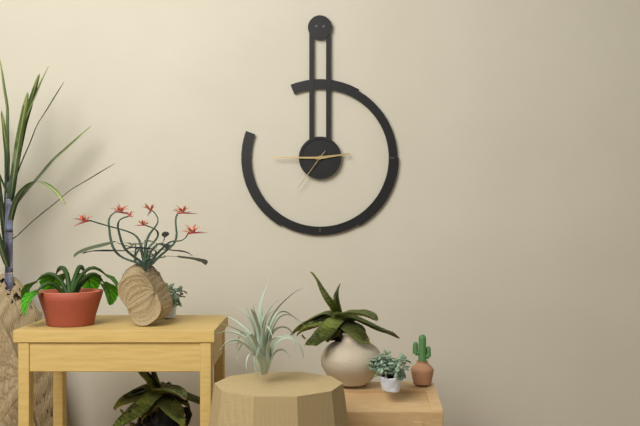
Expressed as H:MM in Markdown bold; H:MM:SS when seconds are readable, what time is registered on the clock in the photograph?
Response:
**2:45**
